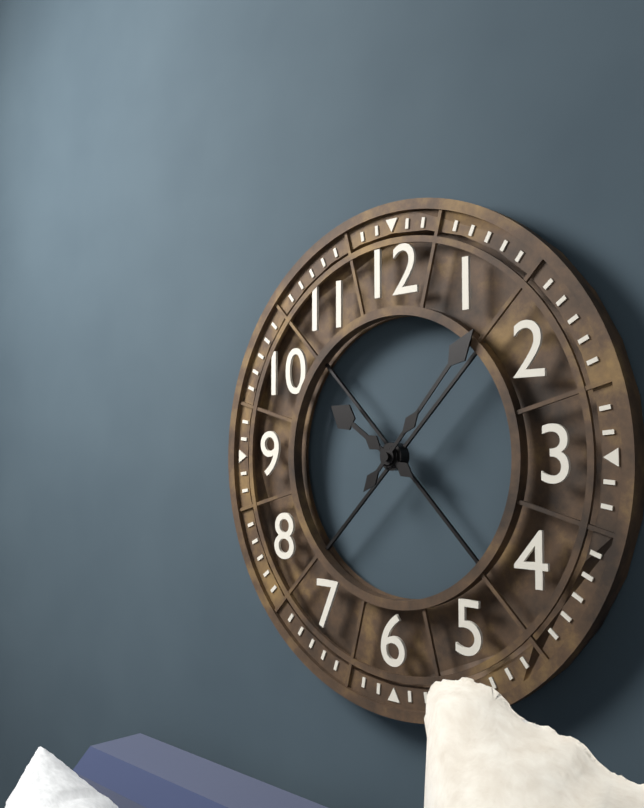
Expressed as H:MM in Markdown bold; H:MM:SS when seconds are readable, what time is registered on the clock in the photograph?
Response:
**10:07**
